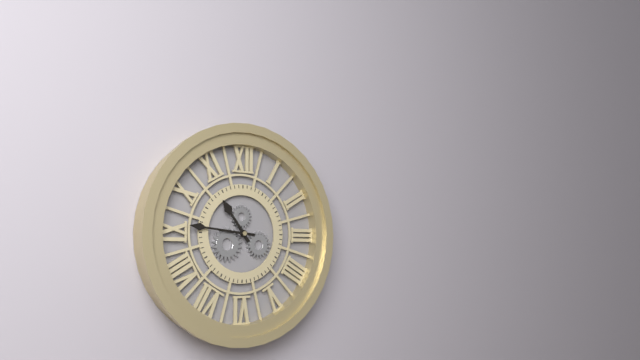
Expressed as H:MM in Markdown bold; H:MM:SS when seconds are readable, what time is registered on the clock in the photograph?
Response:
**10:46**
